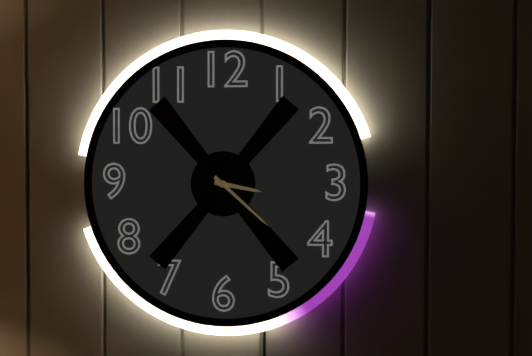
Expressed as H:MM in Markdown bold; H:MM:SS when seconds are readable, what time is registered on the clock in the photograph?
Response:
**3:22**
